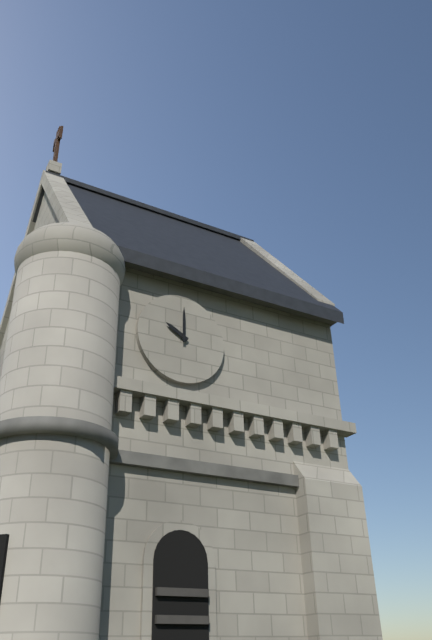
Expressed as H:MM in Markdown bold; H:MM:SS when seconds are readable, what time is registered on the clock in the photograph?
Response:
**10:00**
